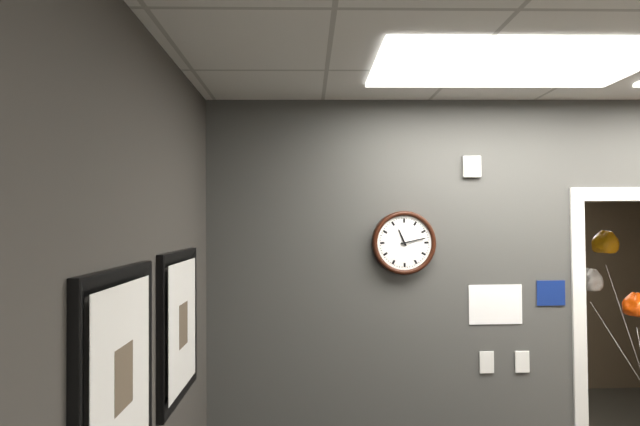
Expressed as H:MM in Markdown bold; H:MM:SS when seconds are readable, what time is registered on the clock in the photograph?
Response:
**11:13**
